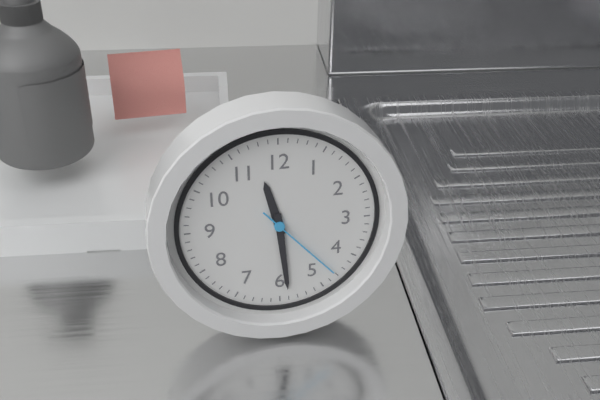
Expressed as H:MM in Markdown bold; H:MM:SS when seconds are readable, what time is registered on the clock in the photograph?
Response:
**11:29:23**
